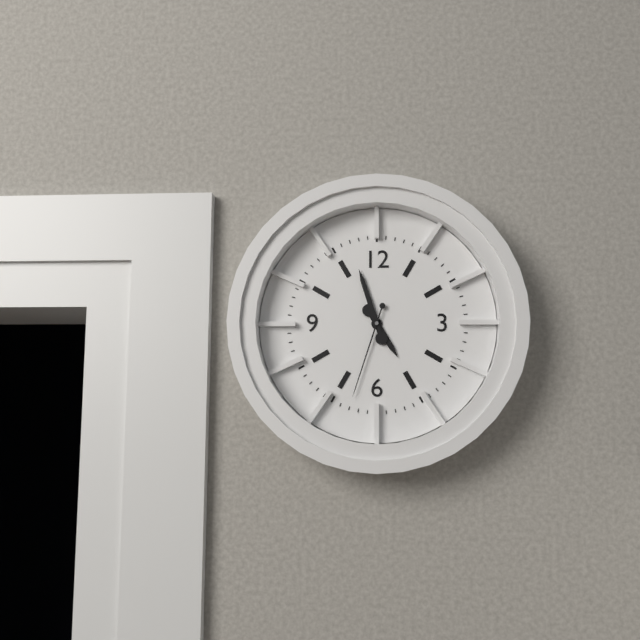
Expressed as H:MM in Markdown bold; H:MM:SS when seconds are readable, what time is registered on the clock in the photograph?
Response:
**4:57:33**
